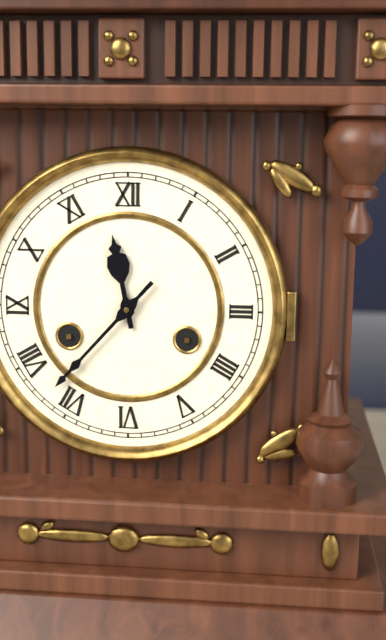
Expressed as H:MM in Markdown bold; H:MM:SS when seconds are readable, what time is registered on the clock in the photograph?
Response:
**11:37**
